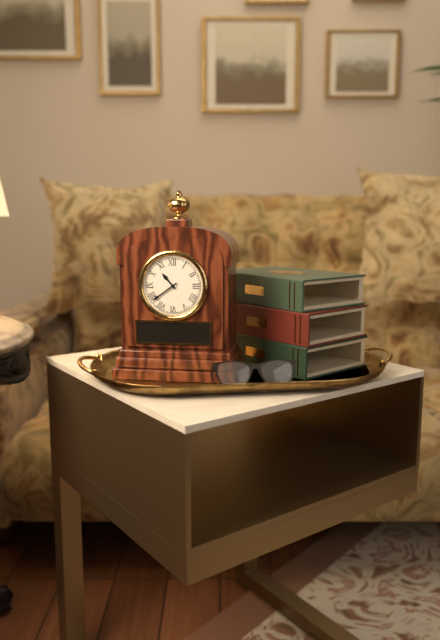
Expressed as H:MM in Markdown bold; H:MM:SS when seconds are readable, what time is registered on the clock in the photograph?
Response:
**10:39**
